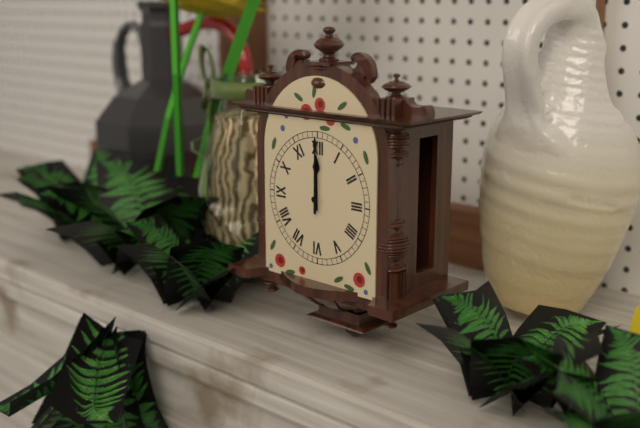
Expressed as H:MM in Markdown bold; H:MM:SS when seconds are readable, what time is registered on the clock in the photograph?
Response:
**12:00**
